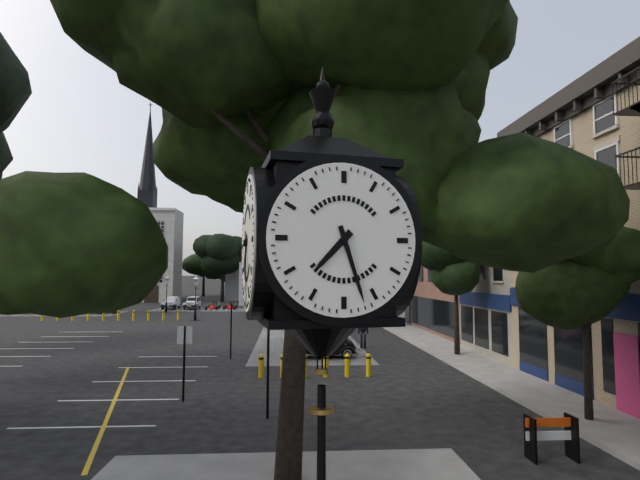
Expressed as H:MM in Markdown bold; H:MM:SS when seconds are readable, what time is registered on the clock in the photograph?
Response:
**7:27**
